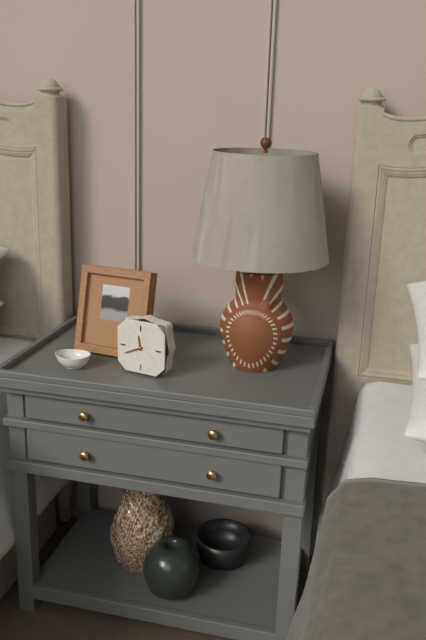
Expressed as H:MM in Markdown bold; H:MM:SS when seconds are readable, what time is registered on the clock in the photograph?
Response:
**11:41**
